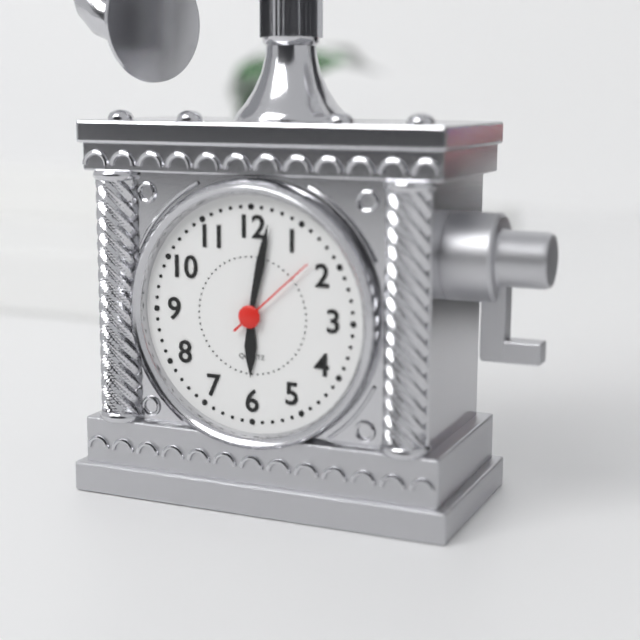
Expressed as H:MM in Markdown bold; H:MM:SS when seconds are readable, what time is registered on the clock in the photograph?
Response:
**6:02:08**
